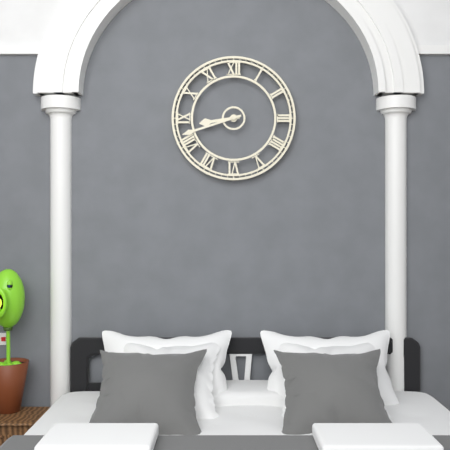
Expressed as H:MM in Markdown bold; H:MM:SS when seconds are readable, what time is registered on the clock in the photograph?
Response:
**8:42**
